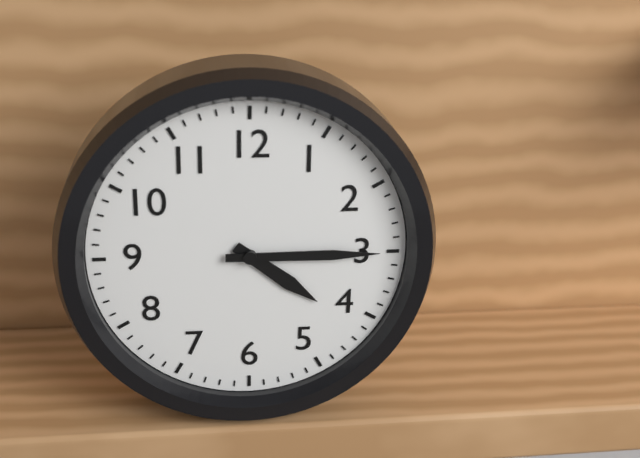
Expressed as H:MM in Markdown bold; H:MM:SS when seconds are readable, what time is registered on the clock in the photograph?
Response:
**4:15**
